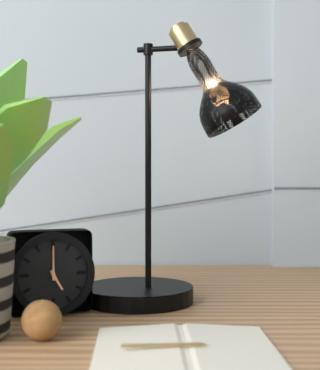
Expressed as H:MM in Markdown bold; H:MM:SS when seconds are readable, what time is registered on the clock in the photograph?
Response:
**5:00**
